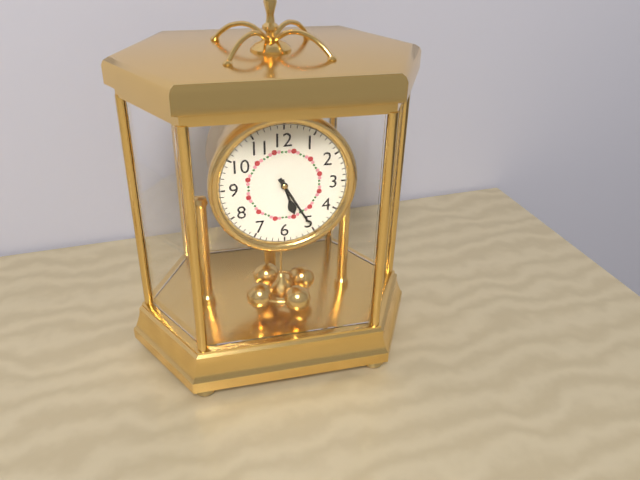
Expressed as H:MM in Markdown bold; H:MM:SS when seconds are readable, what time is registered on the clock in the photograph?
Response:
**5:25**
